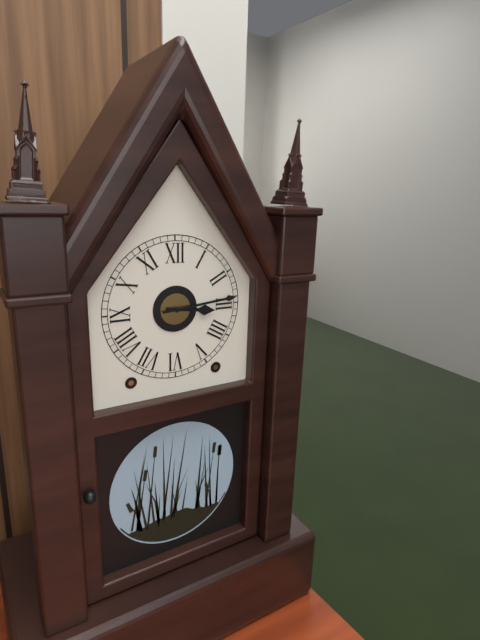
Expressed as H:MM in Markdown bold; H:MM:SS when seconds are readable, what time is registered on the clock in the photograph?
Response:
**3:14**
